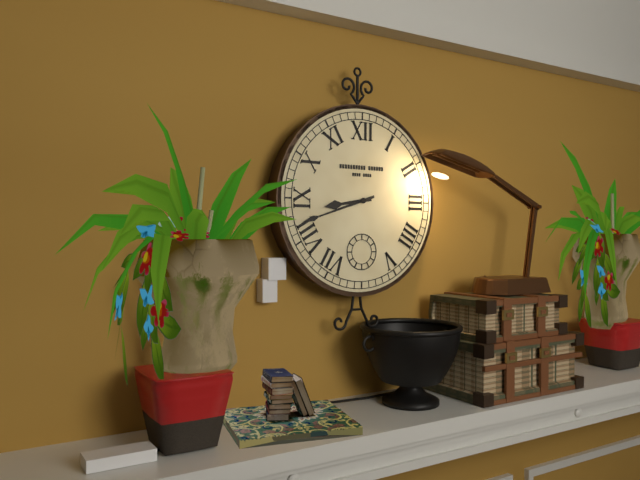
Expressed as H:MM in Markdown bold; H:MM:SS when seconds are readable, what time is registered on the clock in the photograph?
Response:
**8:42**
